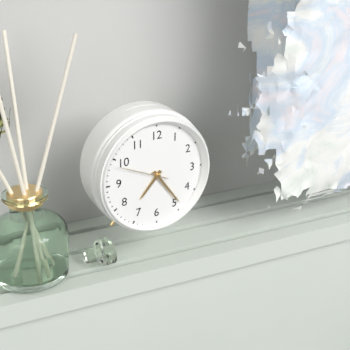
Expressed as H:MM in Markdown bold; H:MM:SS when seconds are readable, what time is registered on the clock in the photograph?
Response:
**7:24:49**
